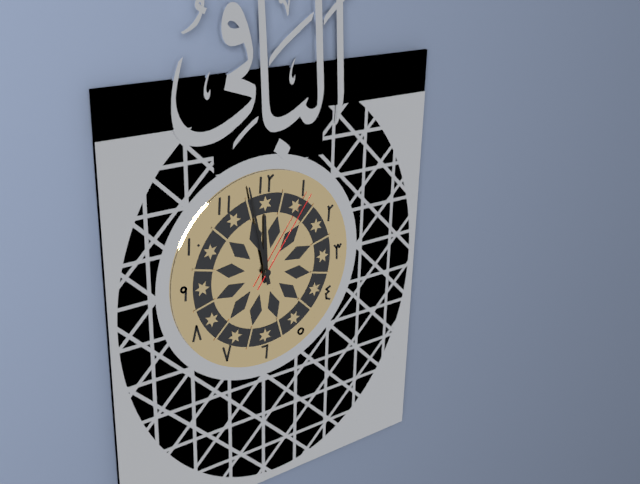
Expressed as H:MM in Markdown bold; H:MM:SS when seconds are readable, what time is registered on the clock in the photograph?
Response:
**11:58:06**
